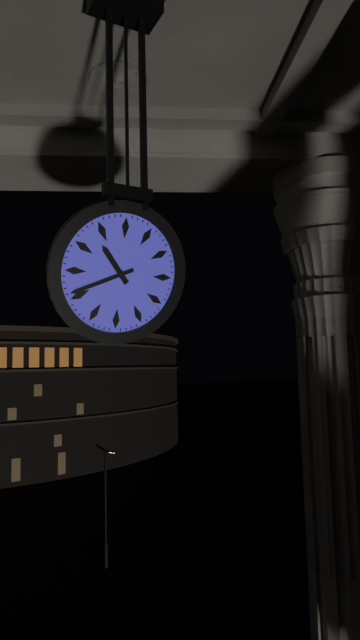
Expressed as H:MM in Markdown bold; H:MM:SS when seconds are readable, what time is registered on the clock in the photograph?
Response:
**10:41**
